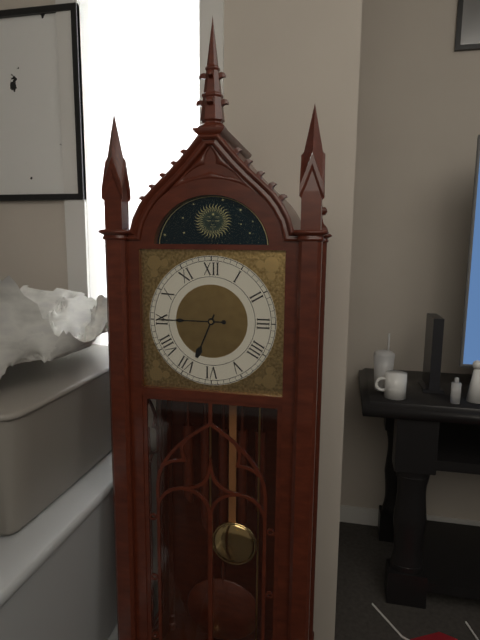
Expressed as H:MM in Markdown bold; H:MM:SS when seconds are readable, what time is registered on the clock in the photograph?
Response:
**6:45**
